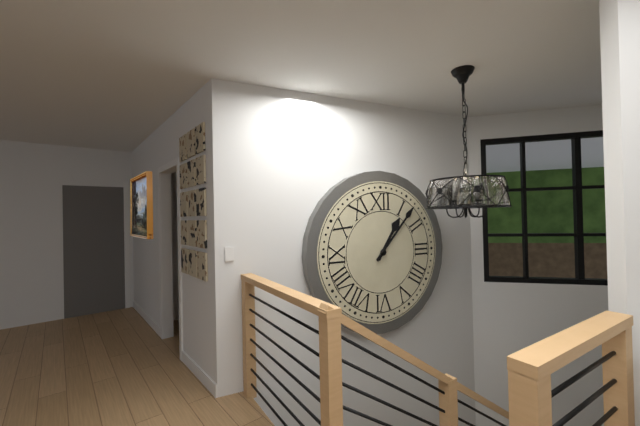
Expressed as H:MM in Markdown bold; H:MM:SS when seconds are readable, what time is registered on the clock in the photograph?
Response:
**1:07**
